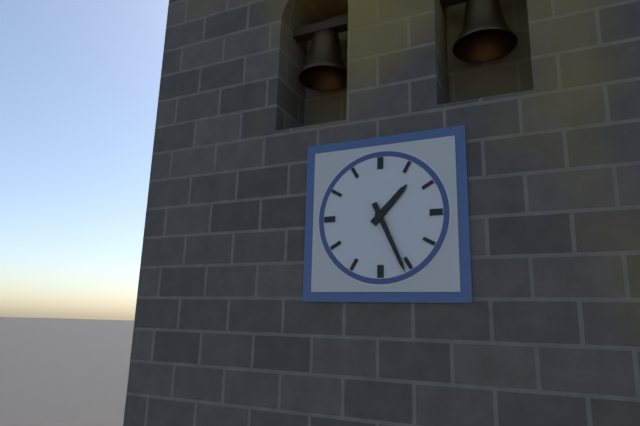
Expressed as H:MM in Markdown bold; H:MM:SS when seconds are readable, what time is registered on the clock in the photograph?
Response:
**1:26**
